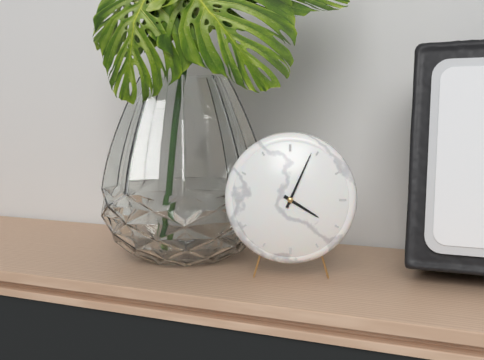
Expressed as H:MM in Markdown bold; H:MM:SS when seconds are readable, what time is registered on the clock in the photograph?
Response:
**4:04**
